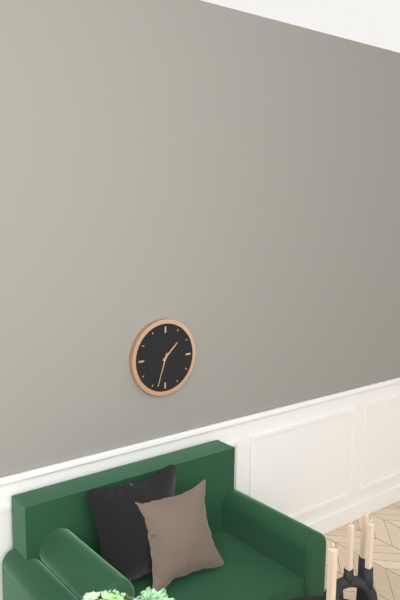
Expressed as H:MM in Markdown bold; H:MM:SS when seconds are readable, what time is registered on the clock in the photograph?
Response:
**1:33**
